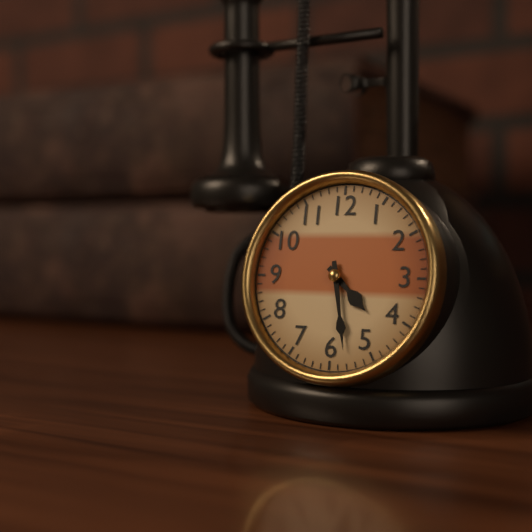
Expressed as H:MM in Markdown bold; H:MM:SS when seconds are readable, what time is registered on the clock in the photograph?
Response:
**4:28**
